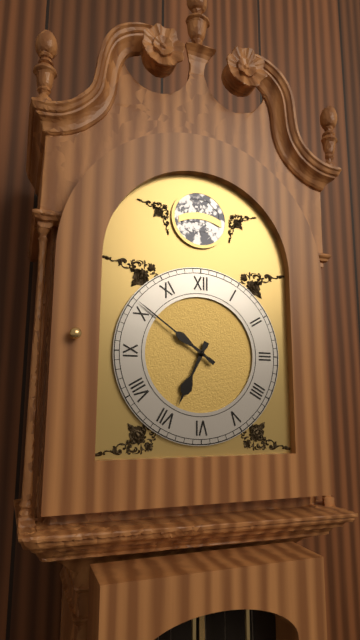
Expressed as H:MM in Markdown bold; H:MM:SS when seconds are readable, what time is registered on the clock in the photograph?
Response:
**6:51**
